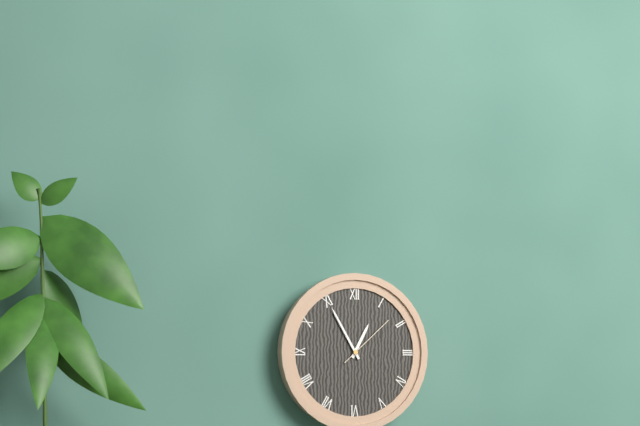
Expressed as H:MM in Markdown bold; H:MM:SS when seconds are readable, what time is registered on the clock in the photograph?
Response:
**12:55:08**
